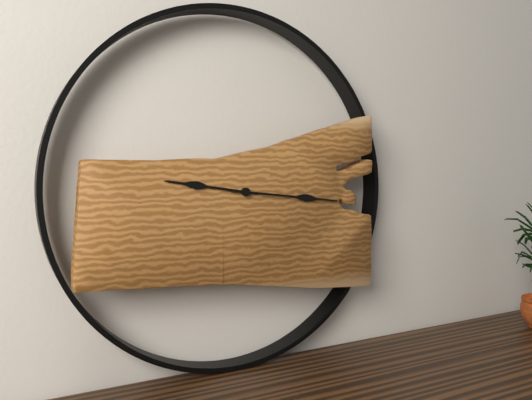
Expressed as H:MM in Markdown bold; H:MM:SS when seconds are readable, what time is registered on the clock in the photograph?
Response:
**9:16**
